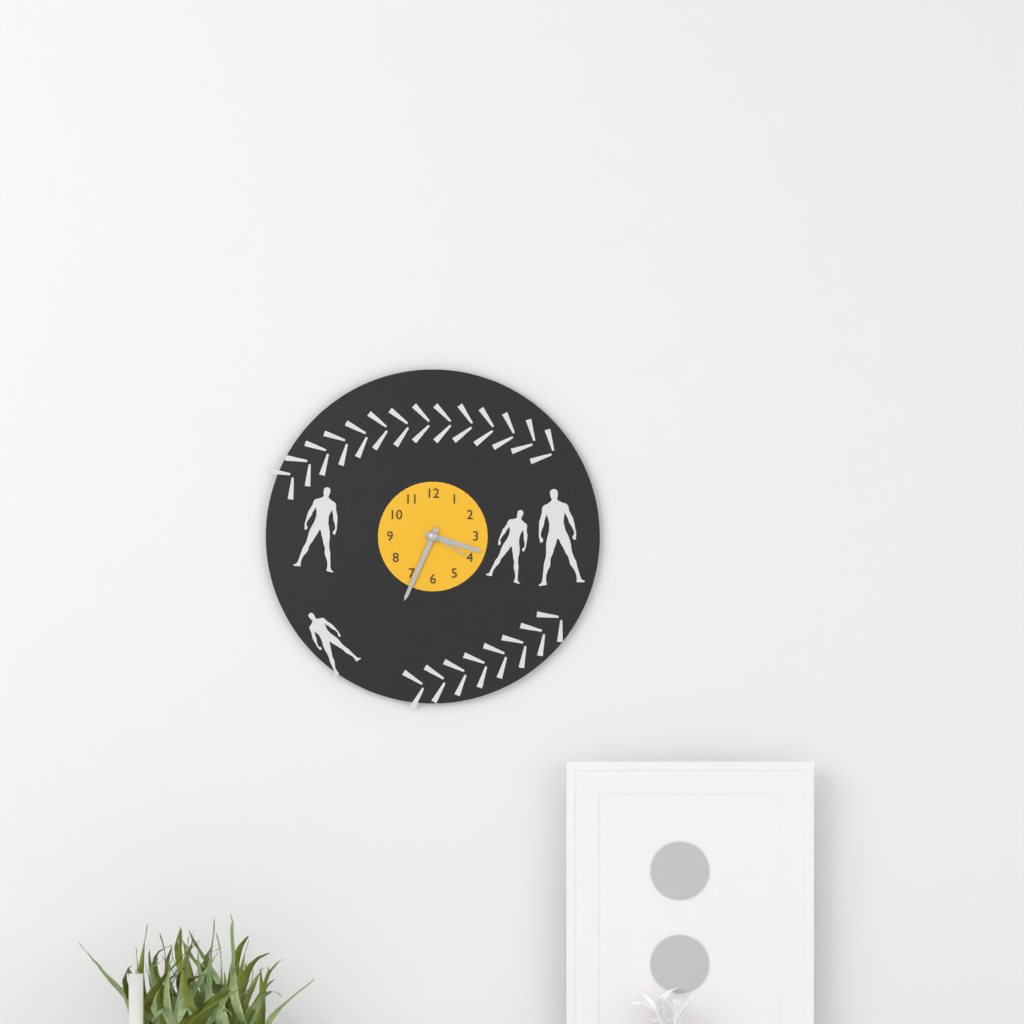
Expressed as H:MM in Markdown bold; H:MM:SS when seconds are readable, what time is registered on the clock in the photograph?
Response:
**3:34**
